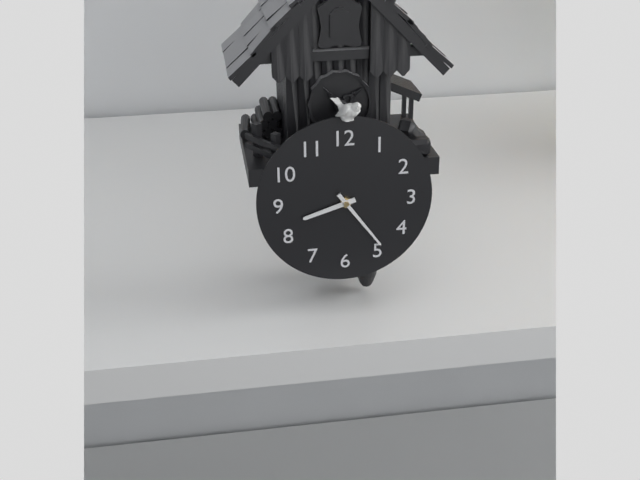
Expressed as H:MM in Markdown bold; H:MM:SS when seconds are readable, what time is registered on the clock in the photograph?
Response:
**8:24**
